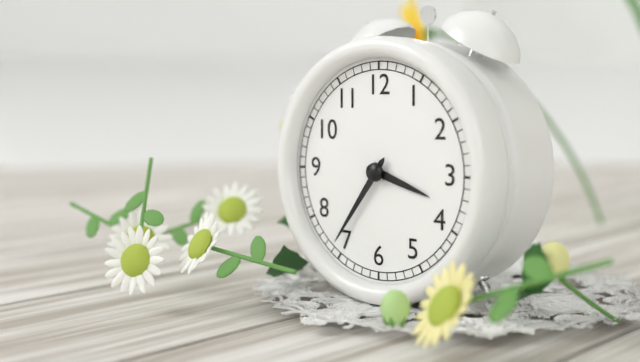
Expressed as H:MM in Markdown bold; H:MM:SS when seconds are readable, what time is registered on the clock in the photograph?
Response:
**3:36**
